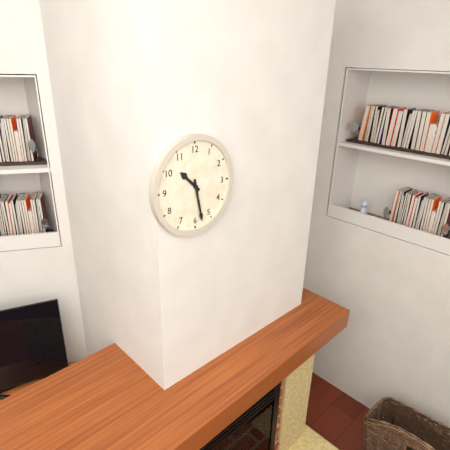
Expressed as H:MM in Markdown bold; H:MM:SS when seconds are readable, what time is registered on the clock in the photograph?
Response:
**10:28**
